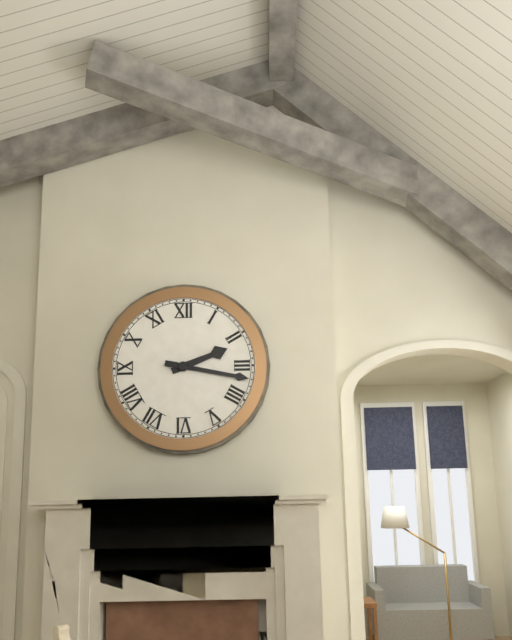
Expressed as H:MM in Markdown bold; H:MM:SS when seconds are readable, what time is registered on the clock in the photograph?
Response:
**2:17**
